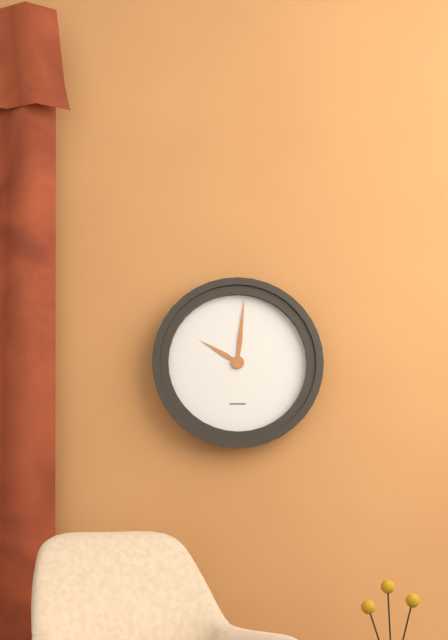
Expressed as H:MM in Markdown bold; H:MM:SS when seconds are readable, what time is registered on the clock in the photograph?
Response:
**10:01**
